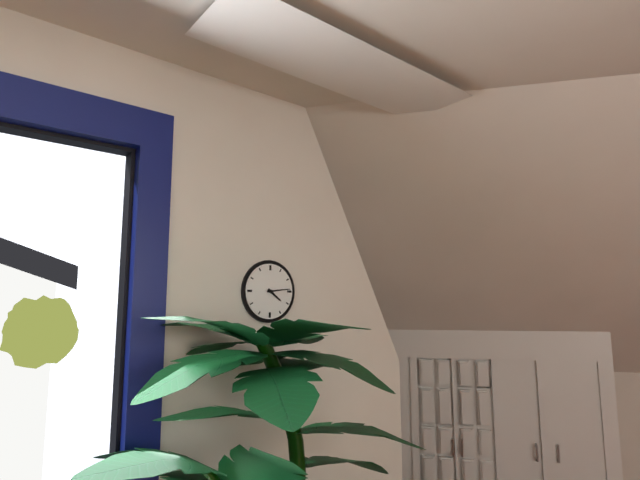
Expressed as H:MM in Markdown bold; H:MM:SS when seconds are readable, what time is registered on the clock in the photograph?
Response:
**4:14**
